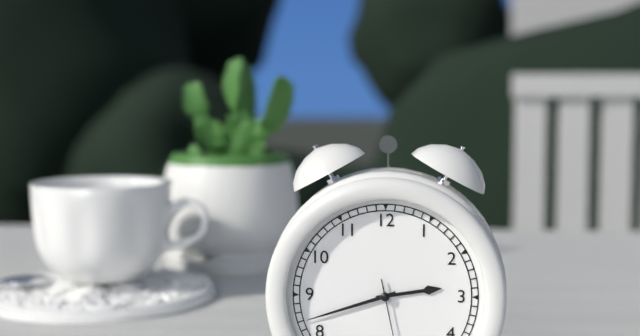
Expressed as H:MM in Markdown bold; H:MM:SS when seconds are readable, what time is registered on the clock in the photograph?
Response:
**2:42**
